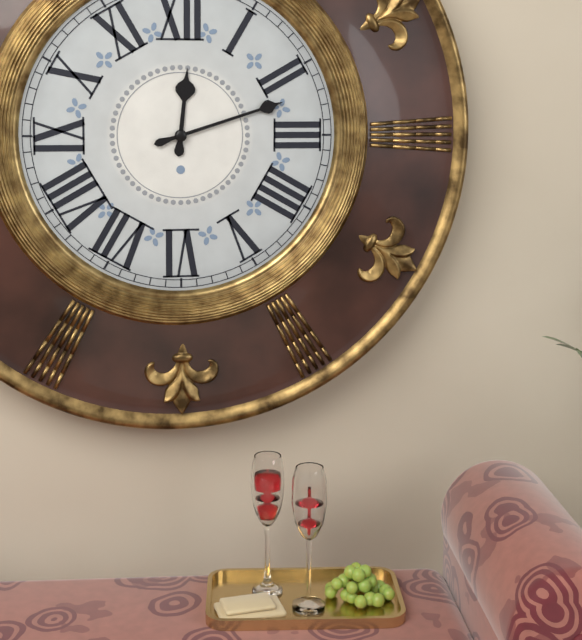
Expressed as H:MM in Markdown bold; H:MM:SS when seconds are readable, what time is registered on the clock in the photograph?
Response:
**12:12**
